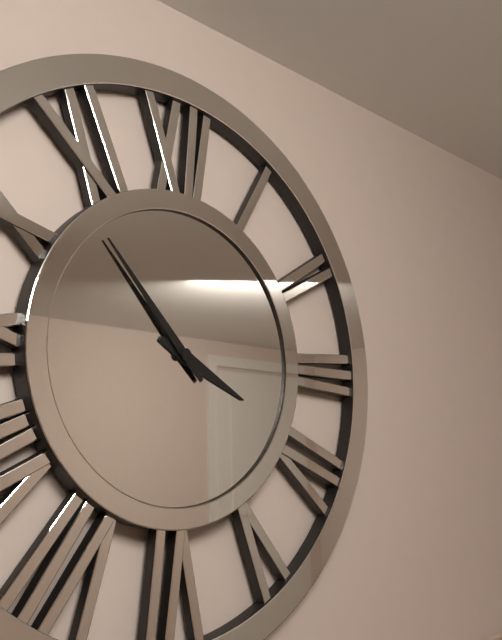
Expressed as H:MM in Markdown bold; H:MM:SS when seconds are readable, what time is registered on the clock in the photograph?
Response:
**3:53**
